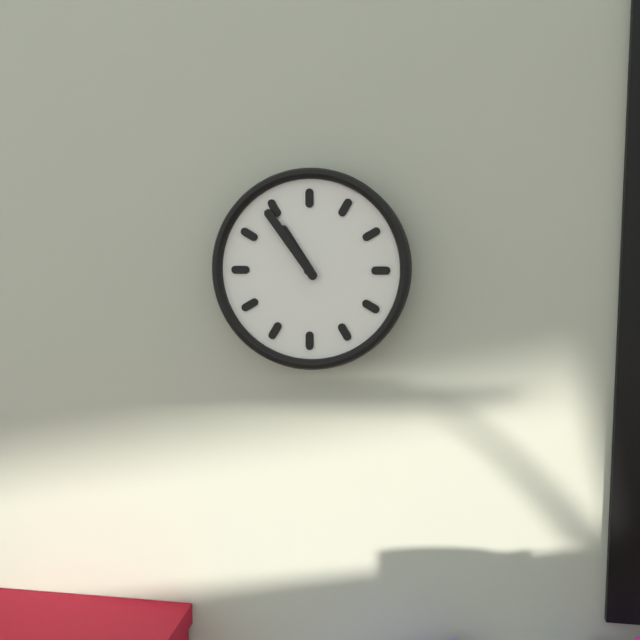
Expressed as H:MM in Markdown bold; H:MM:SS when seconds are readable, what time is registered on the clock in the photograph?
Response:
**10:54**
